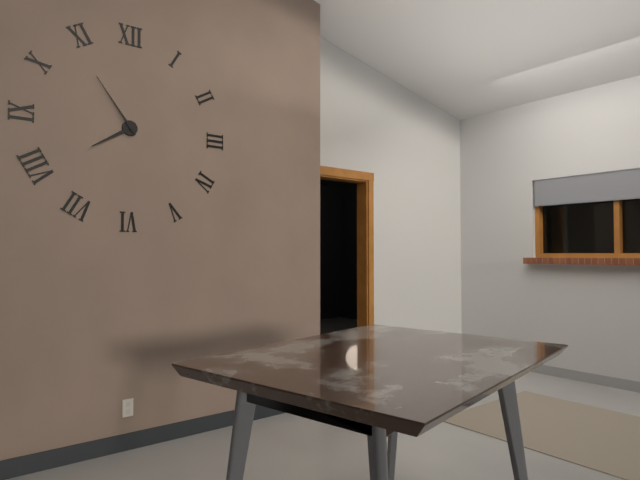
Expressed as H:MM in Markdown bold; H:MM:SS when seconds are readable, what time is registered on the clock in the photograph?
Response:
**7:54**
